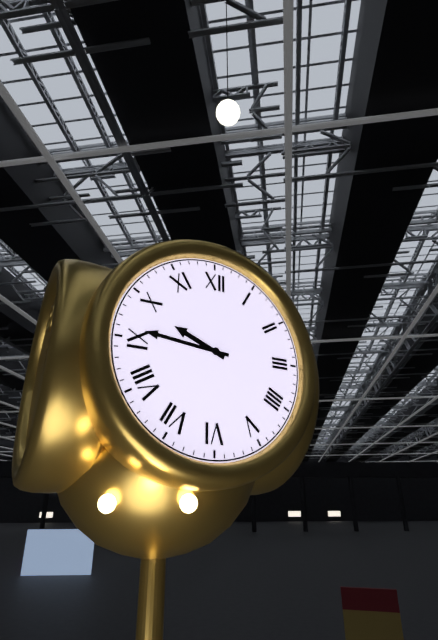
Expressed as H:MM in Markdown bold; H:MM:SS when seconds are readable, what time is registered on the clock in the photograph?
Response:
**9:46**
